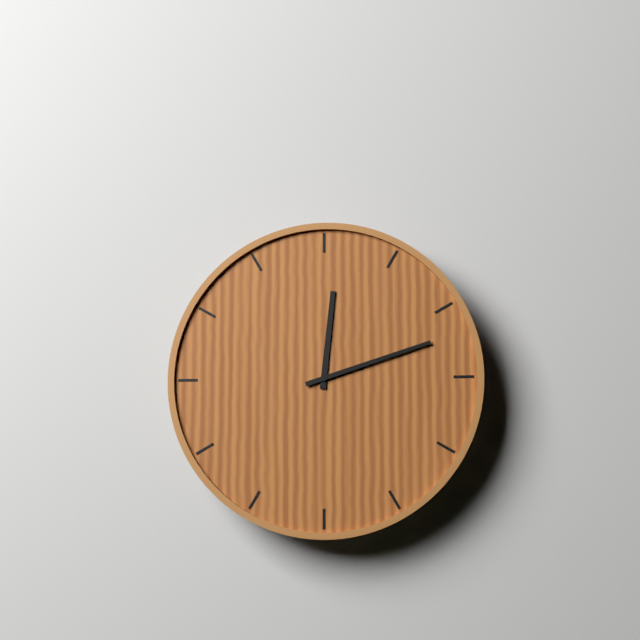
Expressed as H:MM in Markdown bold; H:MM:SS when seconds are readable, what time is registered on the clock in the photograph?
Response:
**12:12**
